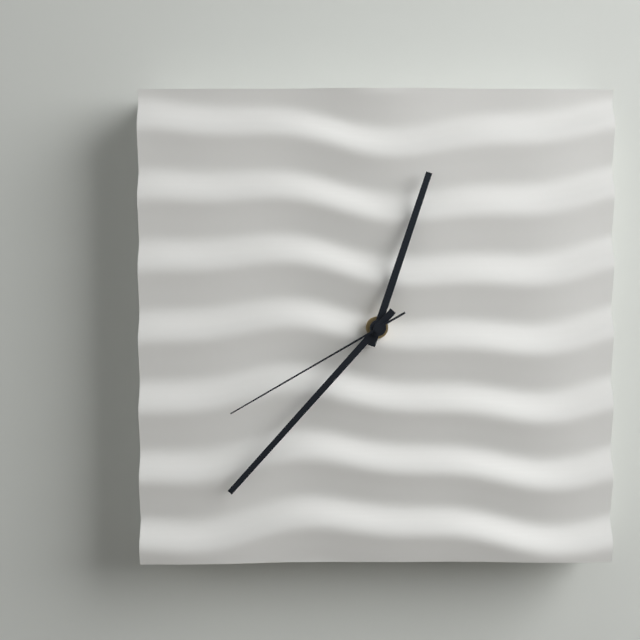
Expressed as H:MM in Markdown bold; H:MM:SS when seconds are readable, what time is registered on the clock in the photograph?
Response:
**12:37:40**
